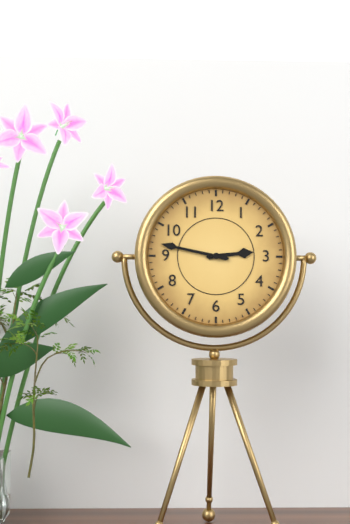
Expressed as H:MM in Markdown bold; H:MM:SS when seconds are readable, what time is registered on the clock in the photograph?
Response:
**2:47**
